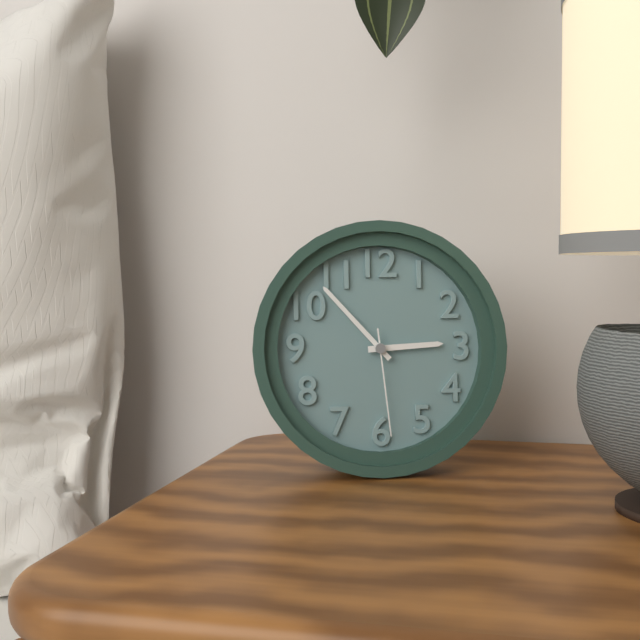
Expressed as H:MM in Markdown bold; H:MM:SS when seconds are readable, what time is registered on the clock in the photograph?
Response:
**2:53:29**
